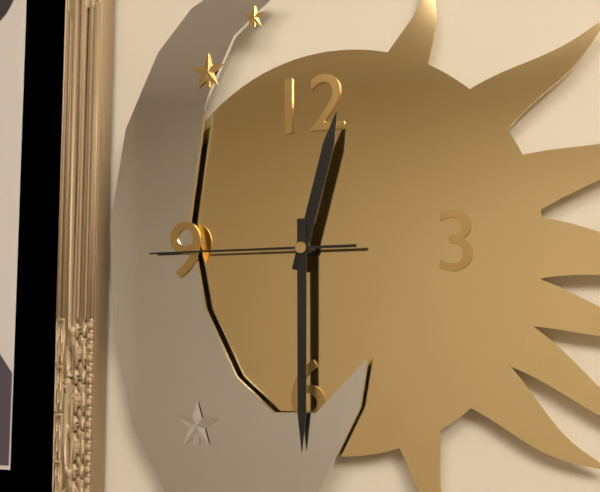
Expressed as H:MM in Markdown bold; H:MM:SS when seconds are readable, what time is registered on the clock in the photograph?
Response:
**12:30:45**
